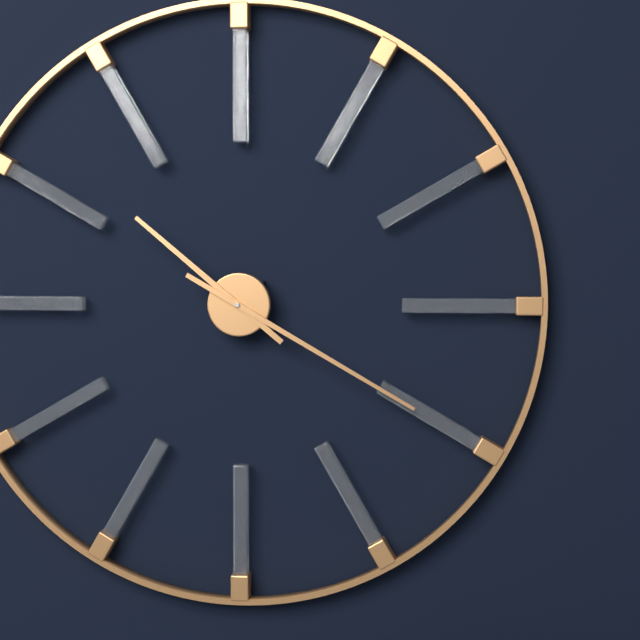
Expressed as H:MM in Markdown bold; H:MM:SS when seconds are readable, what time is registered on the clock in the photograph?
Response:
**10:20**
